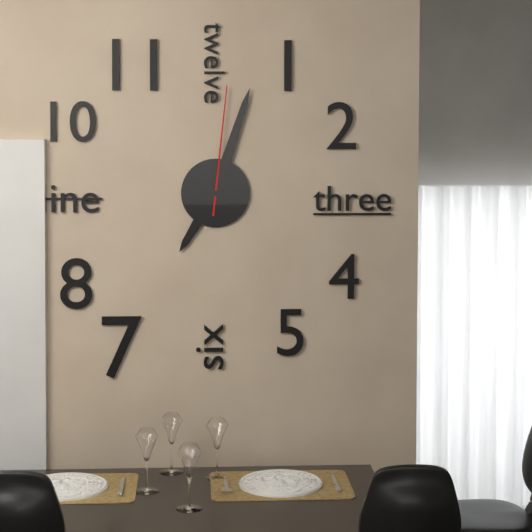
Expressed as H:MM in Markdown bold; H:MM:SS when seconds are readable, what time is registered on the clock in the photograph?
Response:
**7:03:01**
